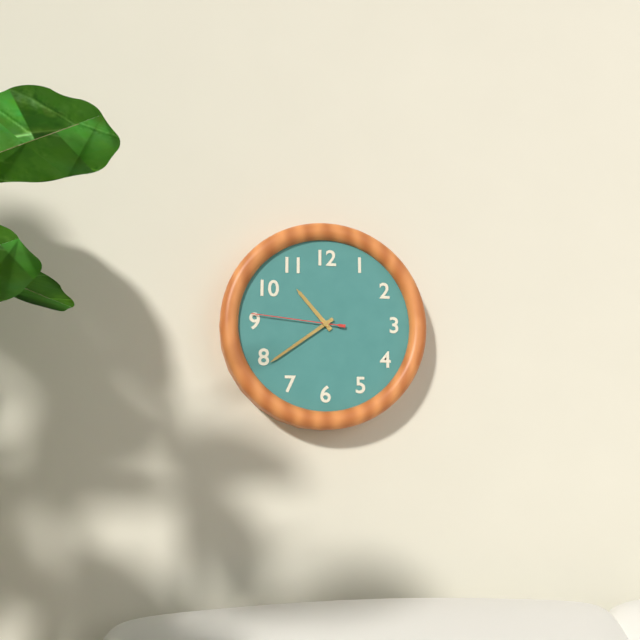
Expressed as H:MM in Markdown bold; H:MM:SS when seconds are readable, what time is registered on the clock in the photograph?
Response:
**10:39:46**
